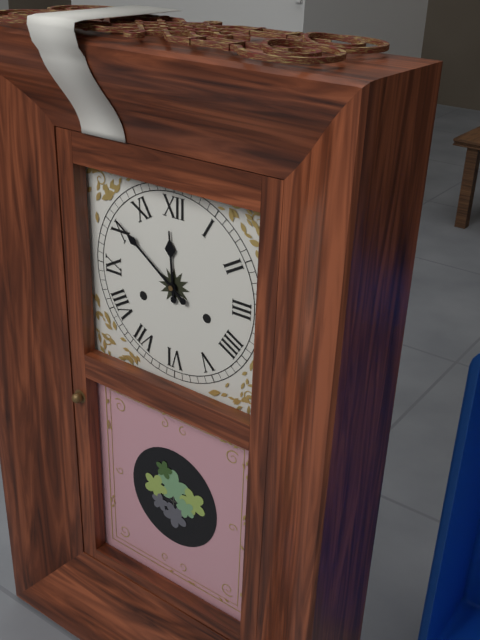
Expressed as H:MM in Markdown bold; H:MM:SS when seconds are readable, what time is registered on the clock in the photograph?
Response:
**11:51**
